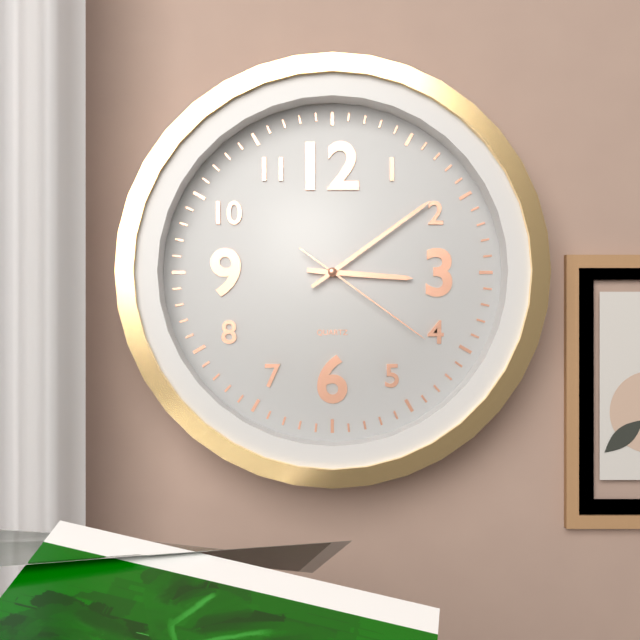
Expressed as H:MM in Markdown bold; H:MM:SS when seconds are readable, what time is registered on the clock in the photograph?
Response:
**3:09:21**
